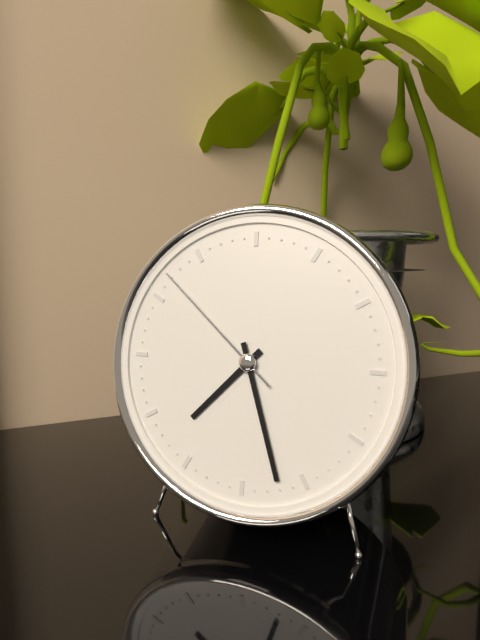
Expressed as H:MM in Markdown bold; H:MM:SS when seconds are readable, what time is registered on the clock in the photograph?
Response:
**7:27:52**
